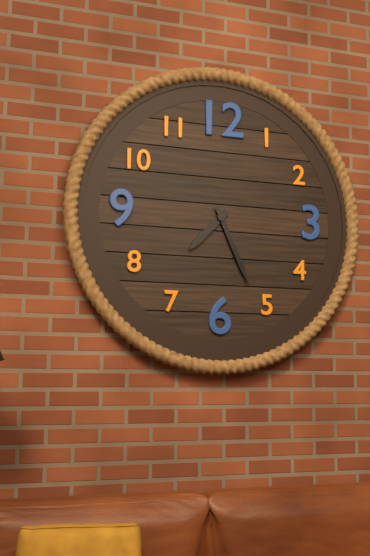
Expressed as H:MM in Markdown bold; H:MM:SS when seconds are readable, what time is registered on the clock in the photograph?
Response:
**7:26**
